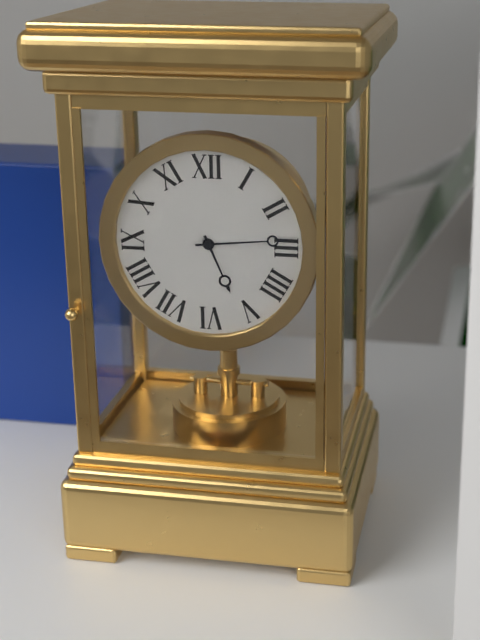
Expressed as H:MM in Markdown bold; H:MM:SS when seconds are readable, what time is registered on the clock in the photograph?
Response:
**5:14**
